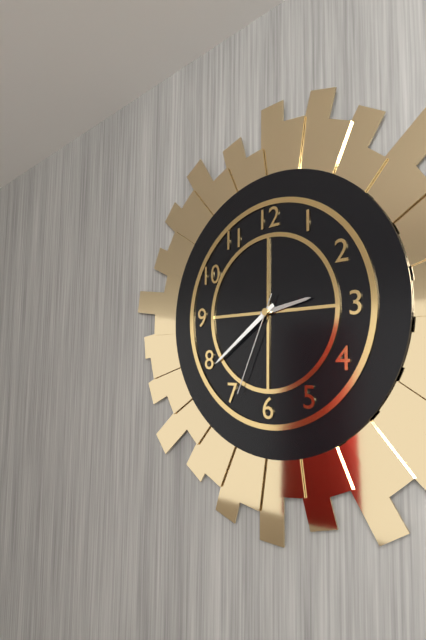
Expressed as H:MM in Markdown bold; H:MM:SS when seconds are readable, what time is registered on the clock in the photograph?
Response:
**2:39:34**
